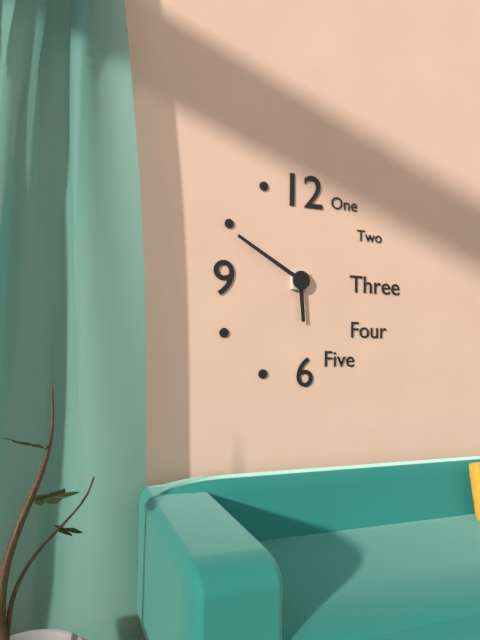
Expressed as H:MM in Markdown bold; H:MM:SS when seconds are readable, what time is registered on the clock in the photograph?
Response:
**5:50**
